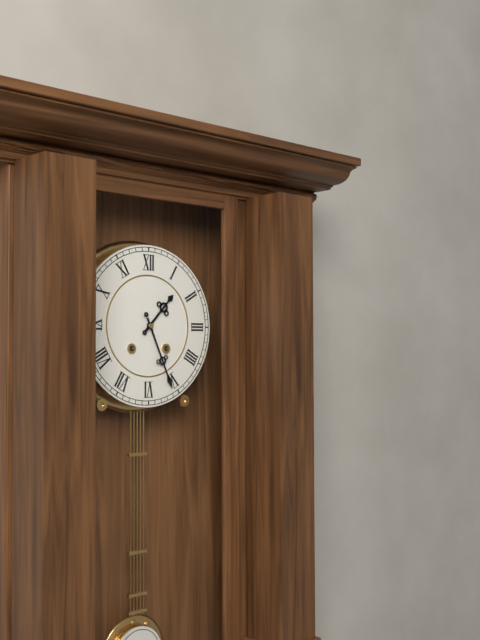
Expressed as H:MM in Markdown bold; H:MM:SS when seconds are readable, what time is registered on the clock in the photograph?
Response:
**1:26**
